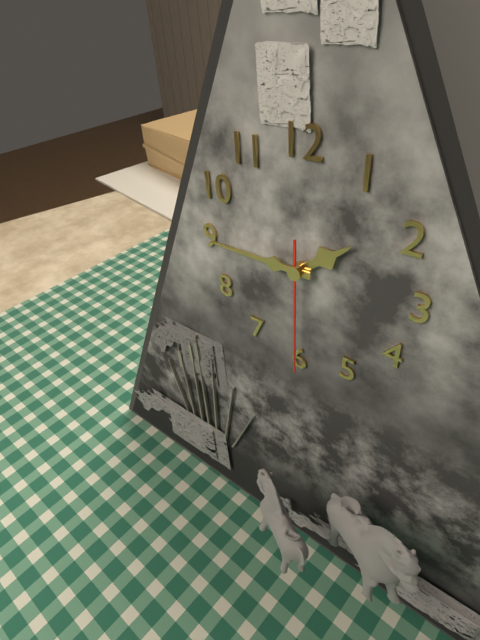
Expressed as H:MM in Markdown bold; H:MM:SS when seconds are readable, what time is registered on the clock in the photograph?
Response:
**1:45:30**
